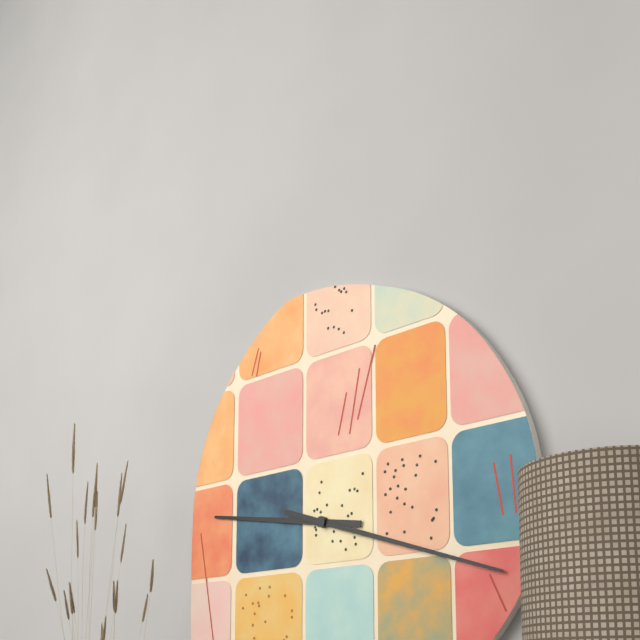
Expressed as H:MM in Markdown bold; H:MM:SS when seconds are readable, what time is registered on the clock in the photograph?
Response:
**9:18**
